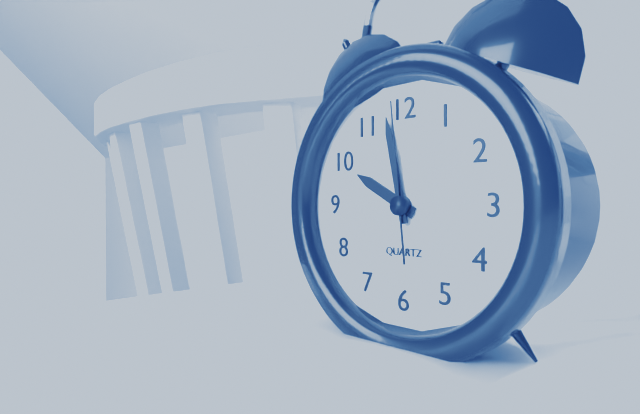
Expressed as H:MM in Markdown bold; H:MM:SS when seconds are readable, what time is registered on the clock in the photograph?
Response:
**9:58:59**
